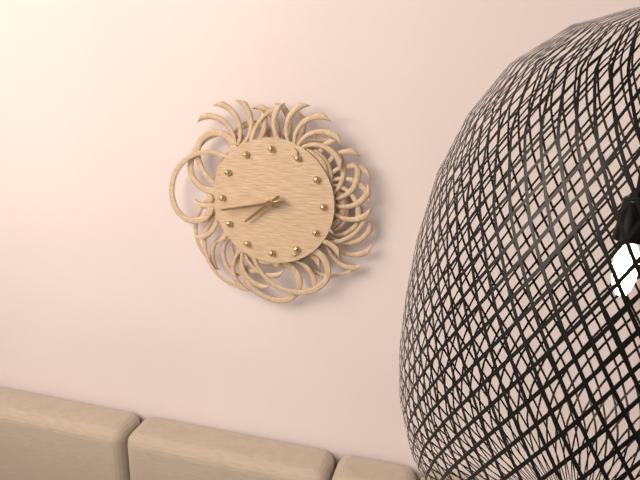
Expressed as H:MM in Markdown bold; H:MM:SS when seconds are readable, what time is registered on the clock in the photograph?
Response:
**7:43**
